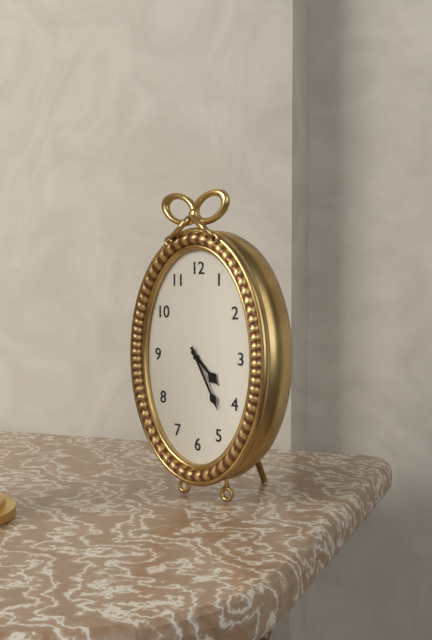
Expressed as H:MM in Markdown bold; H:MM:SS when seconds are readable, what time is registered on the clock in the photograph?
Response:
**4:25**
